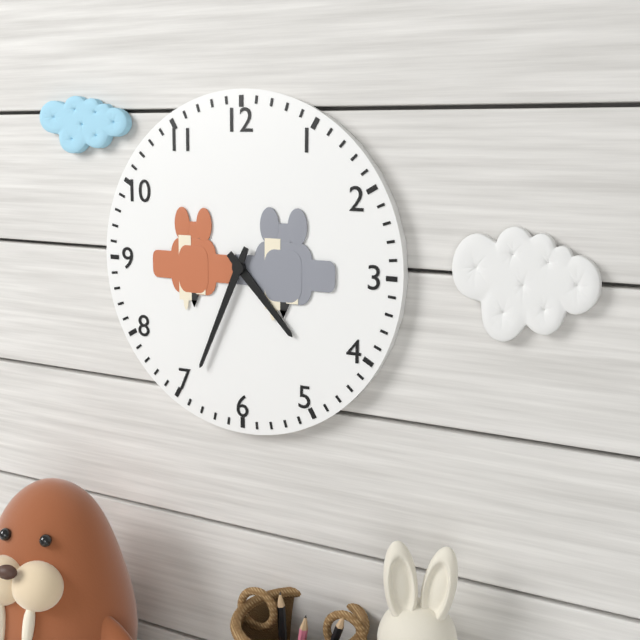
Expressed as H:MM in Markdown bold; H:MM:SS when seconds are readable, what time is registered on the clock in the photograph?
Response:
**4:34**
